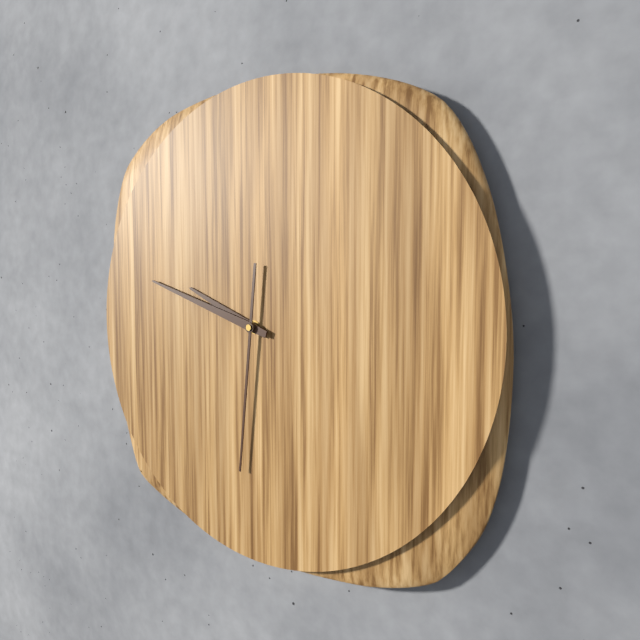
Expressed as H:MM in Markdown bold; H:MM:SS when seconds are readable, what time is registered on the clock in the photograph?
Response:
**9:48:31**
